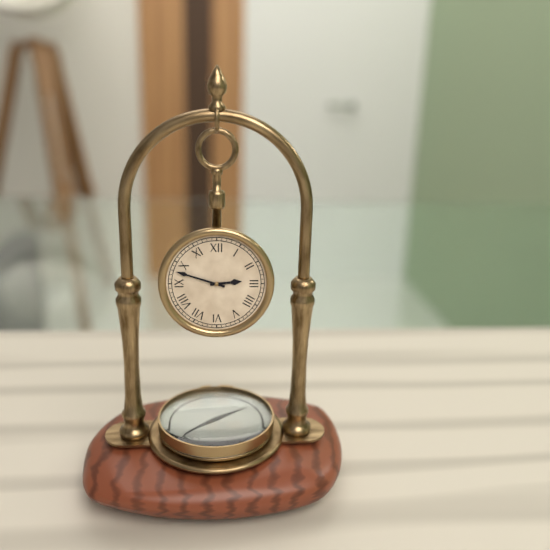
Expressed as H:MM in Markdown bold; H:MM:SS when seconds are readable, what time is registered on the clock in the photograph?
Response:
**2:48**
